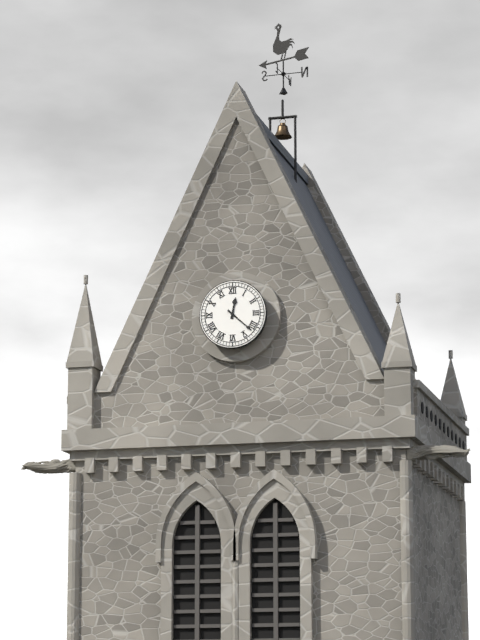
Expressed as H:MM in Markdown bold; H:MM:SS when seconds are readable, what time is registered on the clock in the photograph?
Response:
**12:22**
